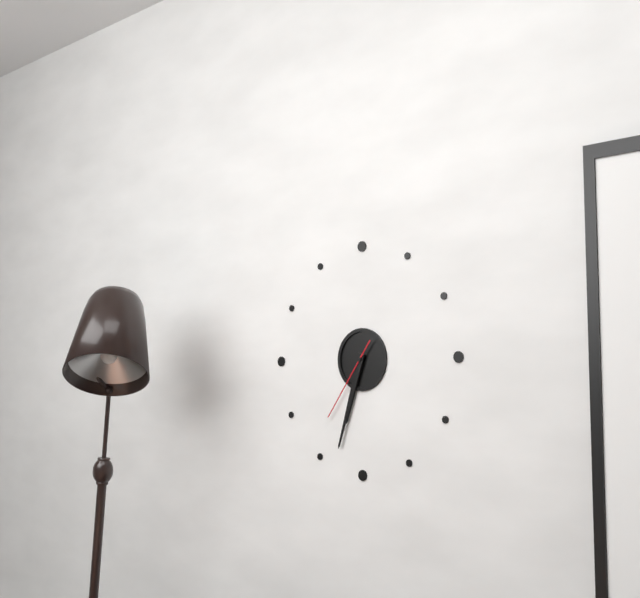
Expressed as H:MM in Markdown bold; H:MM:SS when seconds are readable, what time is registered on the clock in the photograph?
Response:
**6:33:36**
